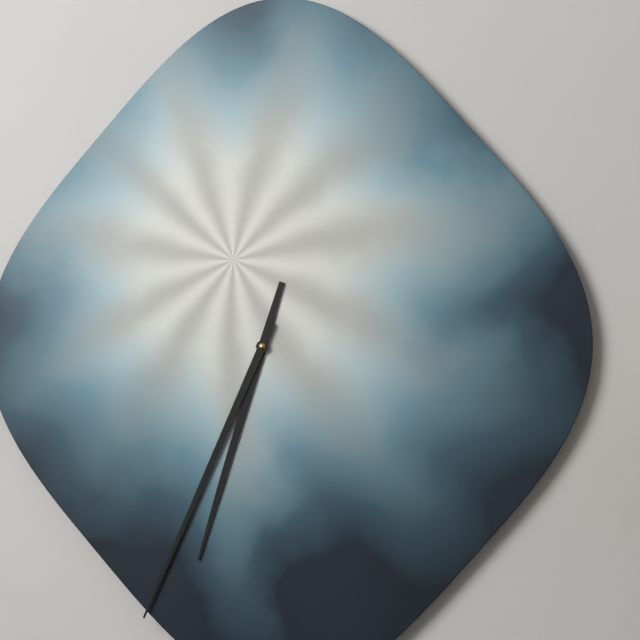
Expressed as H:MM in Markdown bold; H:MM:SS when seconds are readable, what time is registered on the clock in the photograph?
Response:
**6:34**
